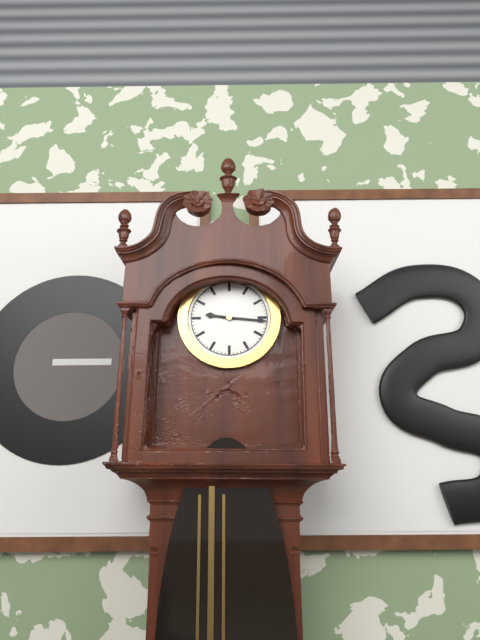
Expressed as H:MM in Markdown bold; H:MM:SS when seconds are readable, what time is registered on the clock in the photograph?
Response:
**9:16**
